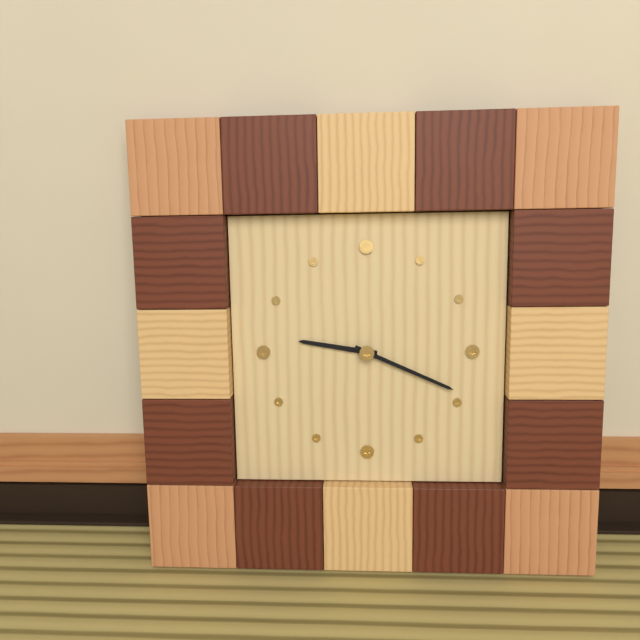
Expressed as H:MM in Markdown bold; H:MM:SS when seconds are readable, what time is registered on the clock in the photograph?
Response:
**9:19**
